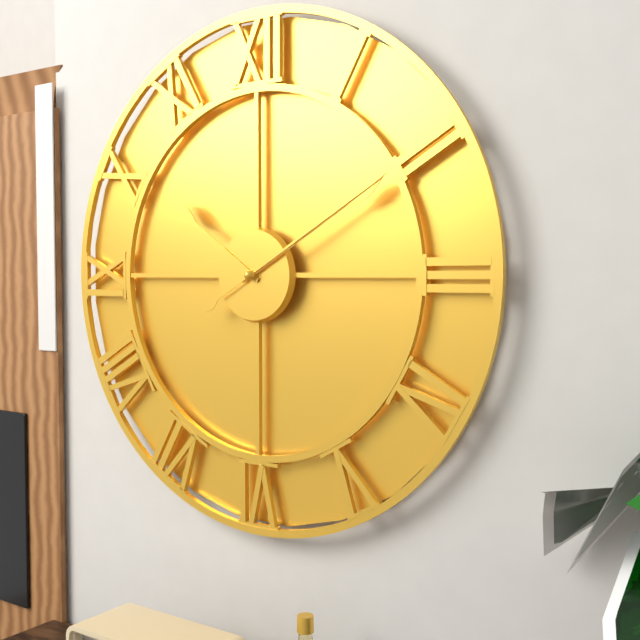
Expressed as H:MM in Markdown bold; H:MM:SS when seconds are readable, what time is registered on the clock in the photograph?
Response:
**10:10:10**
